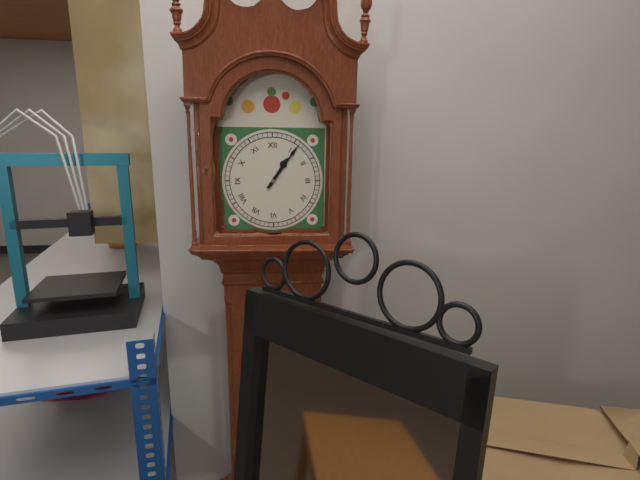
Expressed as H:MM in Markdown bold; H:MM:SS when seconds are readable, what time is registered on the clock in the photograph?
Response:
**1:06**
